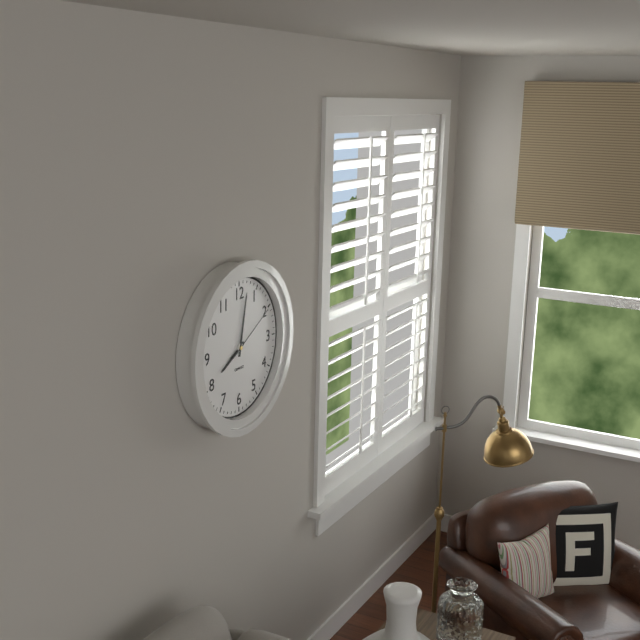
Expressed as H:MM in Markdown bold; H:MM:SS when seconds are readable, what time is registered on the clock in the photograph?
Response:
**8:02:10**
